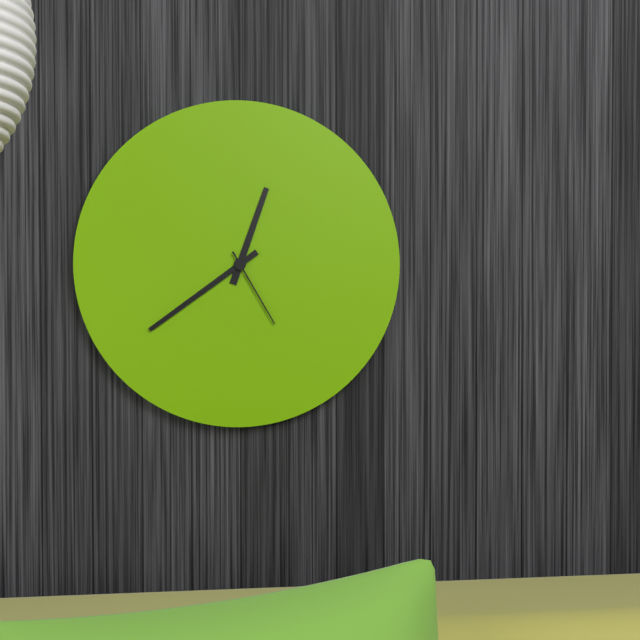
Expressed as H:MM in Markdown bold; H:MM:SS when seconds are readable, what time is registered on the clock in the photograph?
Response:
**12:39:25**
